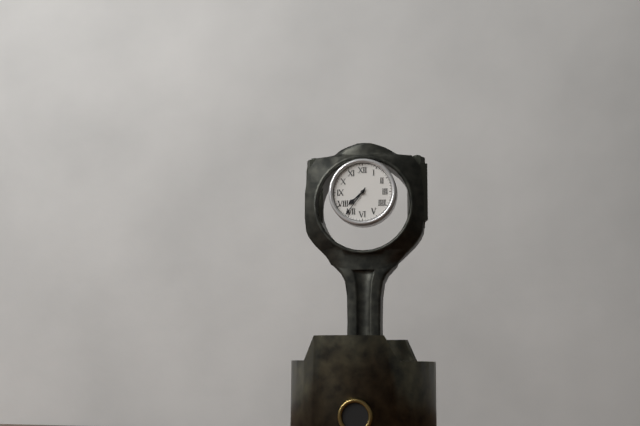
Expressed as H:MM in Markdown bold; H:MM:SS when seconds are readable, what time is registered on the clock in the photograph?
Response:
**7:36**
